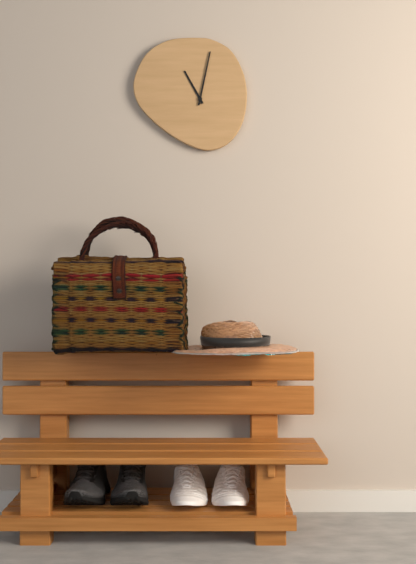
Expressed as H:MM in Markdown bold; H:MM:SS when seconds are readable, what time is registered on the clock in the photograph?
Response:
**11:02**
